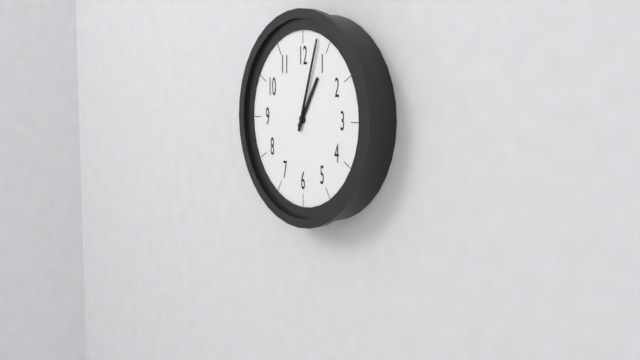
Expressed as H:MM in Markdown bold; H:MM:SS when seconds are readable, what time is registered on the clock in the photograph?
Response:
**1:03**
